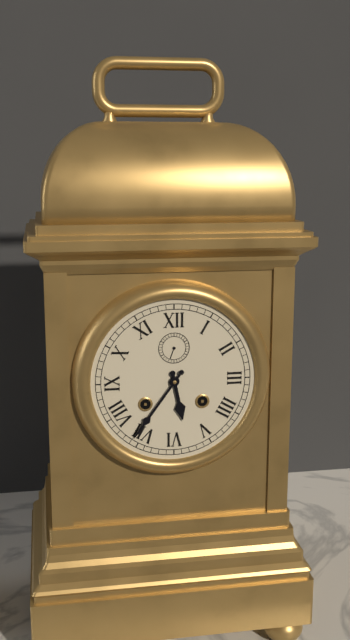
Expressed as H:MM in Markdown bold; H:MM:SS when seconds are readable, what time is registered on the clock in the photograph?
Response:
**5:36**
